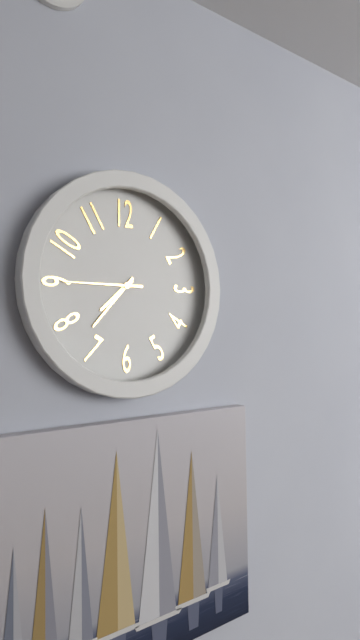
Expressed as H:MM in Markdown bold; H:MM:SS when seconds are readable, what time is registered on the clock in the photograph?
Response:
**7:37:45**
